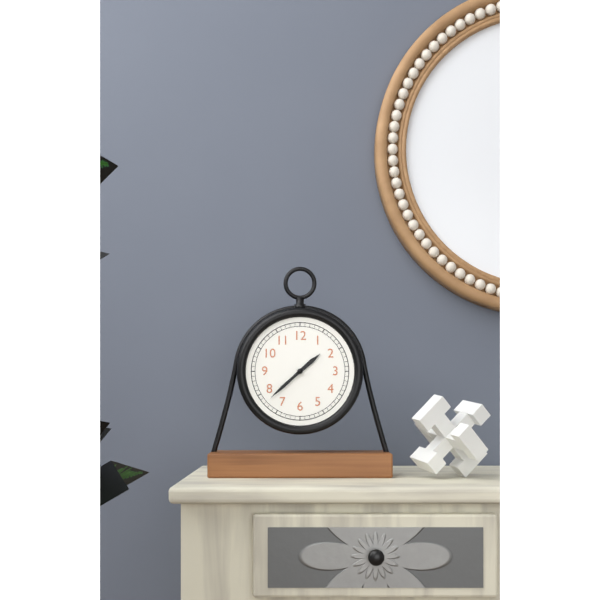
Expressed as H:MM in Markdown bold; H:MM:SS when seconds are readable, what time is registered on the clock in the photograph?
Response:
**1:38**
